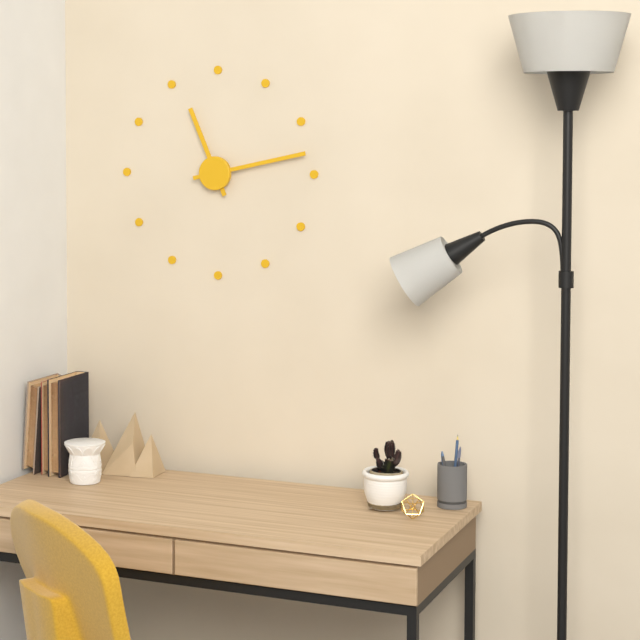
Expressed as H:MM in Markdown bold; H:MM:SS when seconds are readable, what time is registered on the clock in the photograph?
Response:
**11:13**
